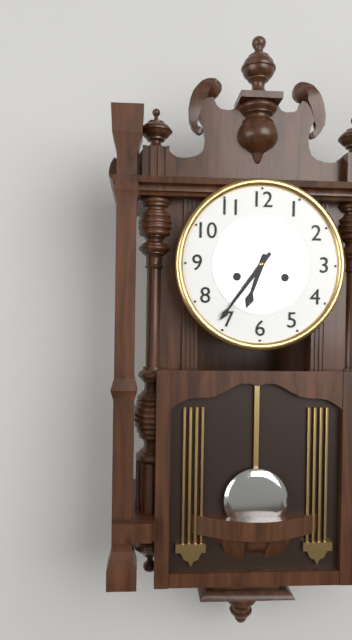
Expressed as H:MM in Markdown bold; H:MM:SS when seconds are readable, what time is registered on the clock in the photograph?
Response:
**6:36**
